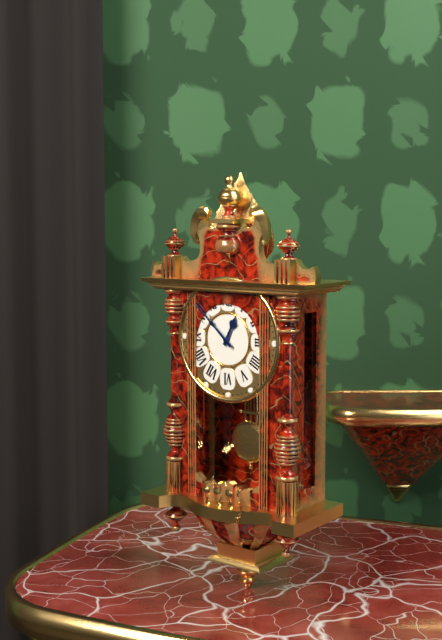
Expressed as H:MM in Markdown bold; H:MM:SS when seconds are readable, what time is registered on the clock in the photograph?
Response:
**12:52**
